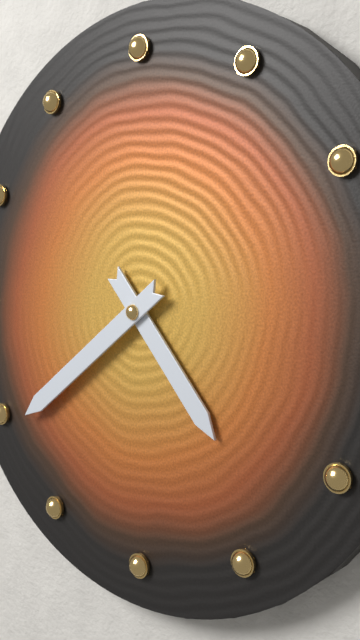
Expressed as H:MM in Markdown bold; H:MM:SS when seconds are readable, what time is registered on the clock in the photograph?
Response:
**4:39**
